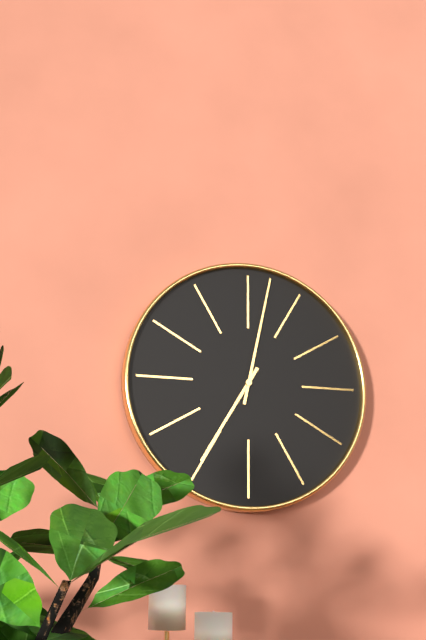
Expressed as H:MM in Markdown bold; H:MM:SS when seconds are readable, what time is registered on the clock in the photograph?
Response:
**7:02**
